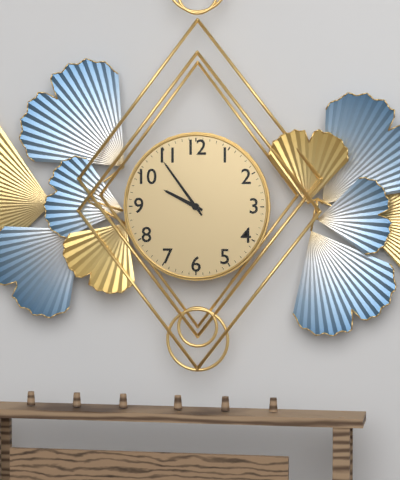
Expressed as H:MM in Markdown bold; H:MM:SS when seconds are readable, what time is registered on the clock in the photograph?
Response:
**9:54**
